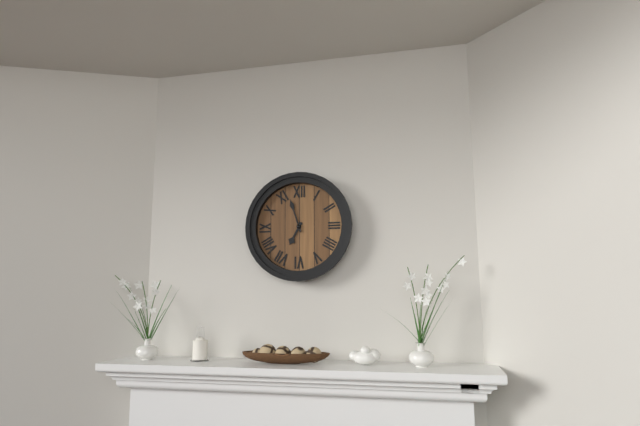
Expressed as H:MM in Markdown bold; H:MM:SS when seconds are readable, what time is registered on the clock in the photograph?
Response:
**6:57**
